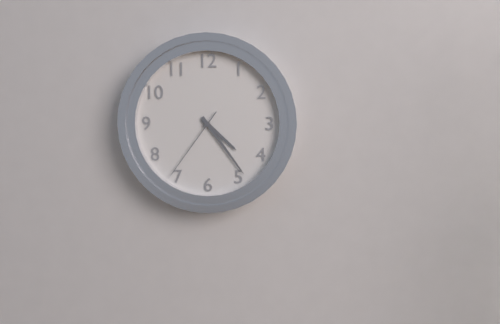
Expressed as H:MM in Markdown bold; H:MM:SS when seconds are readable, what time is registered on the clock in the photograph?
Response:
**4:24:36**
